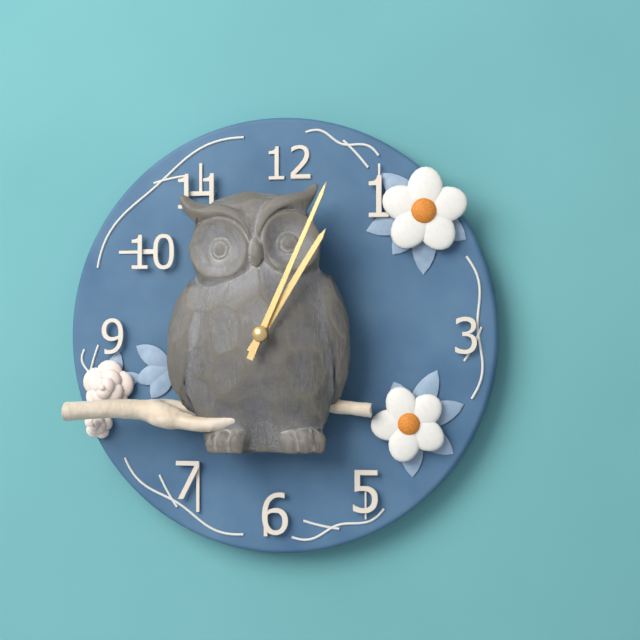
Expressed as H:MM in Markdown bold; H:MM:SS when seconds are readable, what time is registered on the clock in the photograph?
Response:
**1:04**
